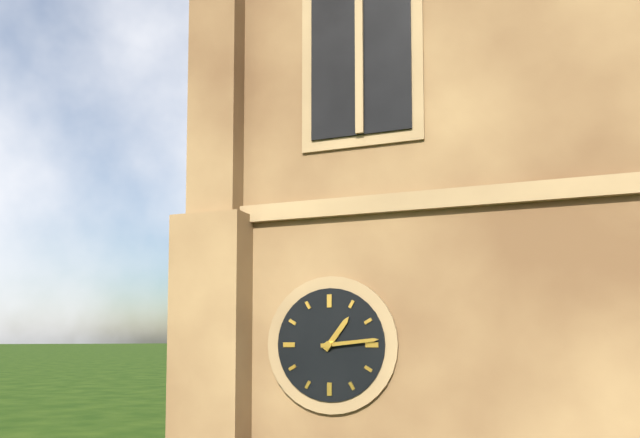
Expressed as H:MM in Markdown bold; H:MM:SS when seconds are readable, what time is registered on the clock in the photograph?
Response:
**1:14**
